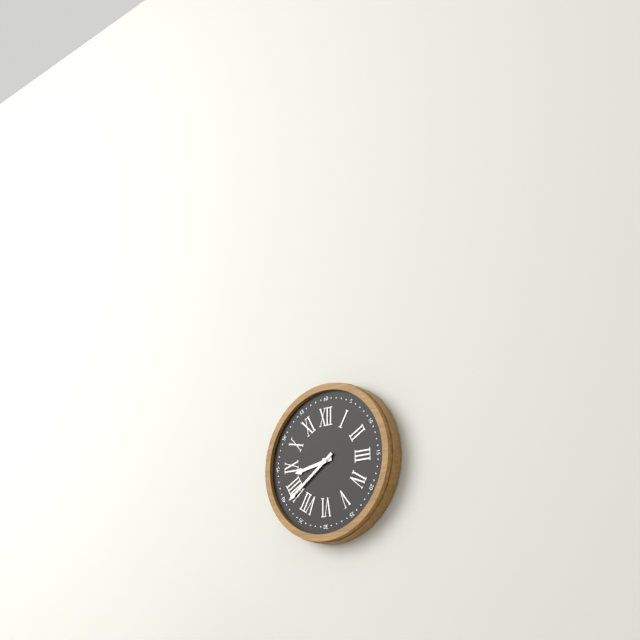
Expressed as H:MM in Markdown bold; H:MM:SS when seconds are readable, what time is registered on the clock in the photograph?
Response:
**8:39**
